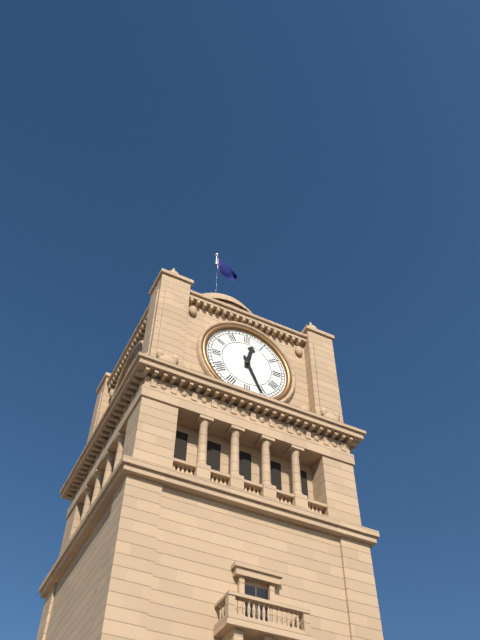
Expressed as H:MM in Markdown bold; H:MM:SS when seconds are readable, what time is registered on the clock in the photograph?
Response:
**12:26**
